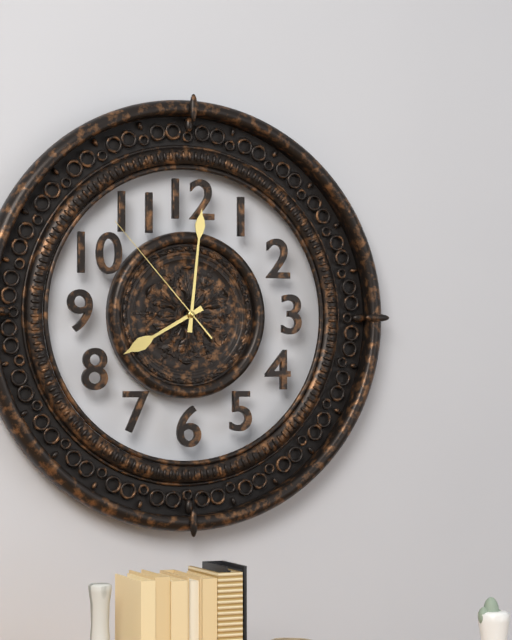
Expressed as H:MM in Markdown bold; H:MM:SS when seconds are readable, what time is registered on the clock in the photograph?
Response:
**8:01:53**
